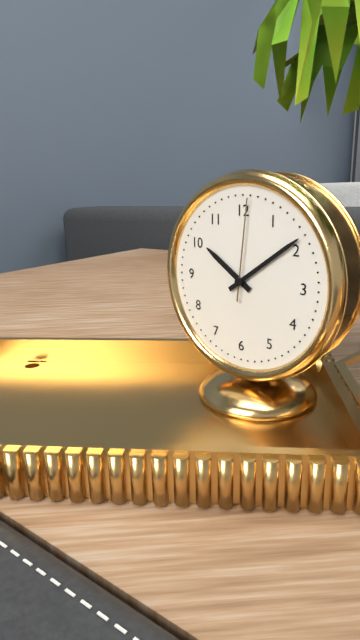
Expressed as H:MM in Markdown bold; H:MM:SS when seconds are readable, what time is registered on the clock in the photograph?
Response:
**10:09:01**
